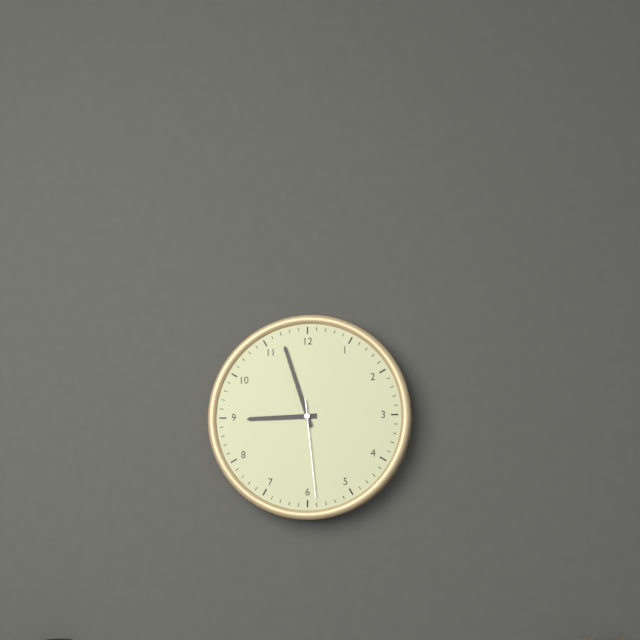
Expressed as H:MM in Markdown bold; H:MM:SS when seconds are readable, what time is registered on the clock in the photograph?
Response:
**8:57:29**
